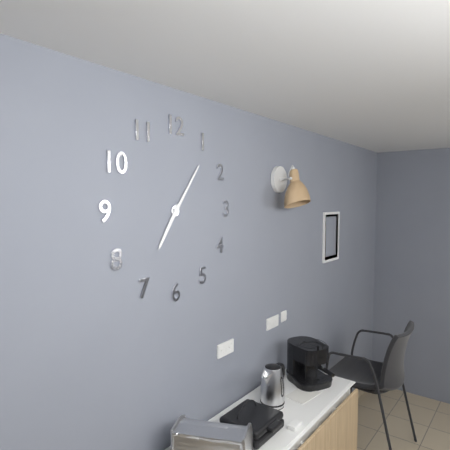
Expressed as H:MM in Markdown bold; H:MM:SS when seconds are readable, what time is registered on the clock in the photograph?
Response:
**7:06**
